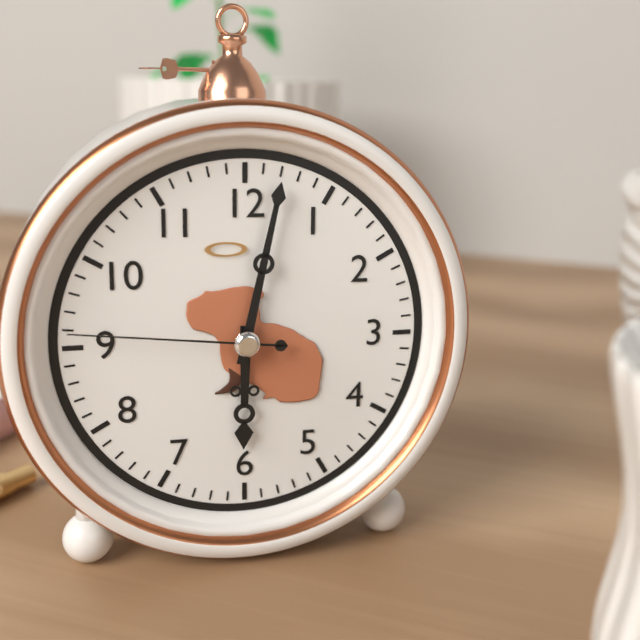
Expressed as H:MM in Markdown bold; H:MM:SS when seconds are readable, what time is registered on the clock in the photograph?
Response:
**6:02:46**
